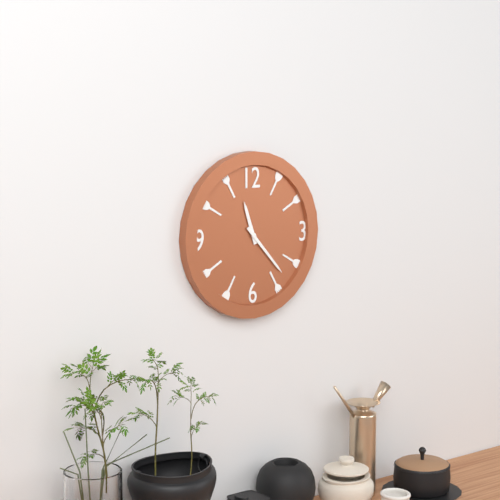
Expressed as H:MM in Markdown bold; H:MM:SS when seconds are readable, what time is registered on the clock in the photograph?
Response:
**11:23**
